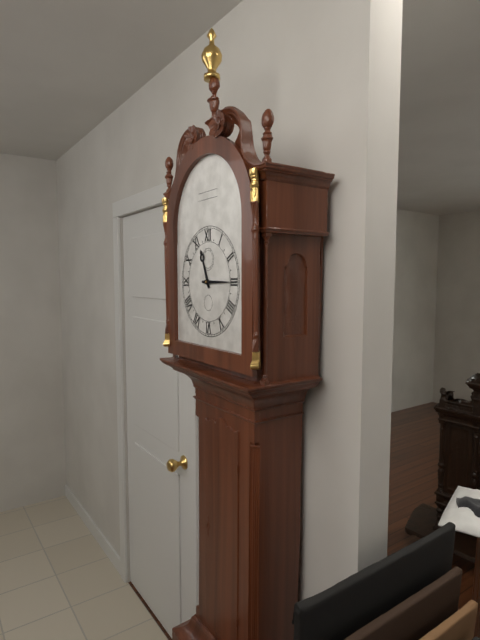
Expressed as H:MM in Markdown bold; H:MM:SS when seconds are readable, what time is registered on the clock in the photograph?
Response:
**11:15**
